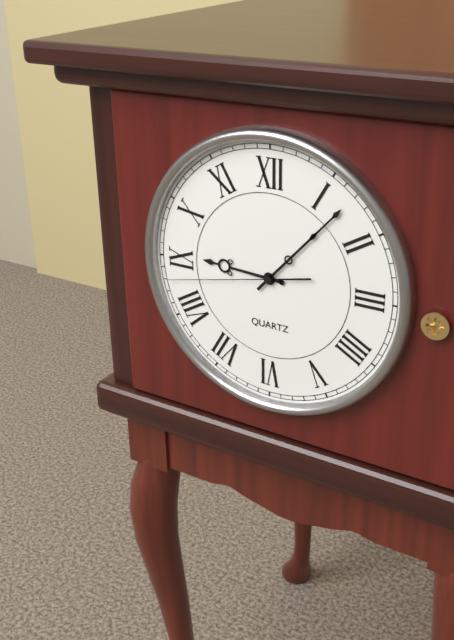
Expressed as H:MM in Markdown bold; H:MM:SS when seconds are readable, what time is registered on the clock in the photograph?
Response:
**9:07:43**
